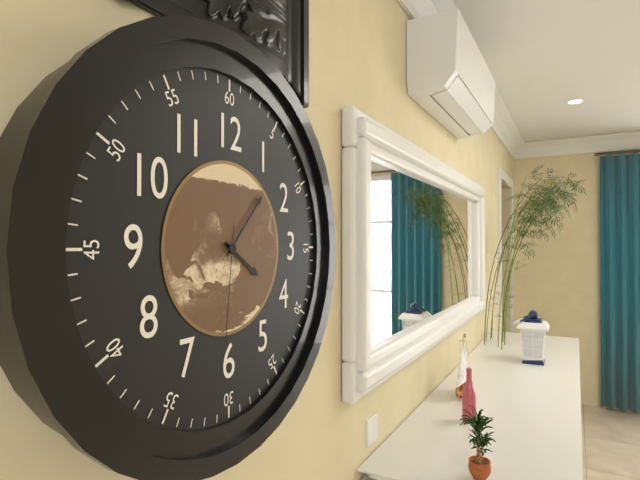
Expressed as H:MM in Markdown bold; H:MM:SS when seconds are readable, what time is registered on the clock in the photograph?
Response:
**4:07:31**
